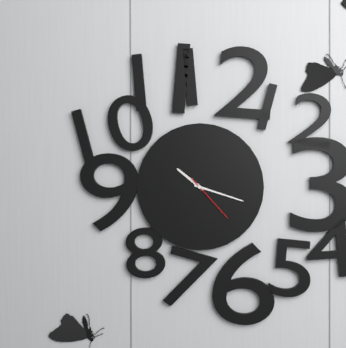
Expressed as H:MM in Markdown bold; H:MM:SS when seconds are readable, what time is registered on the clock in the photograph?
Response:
**10:18:23**
